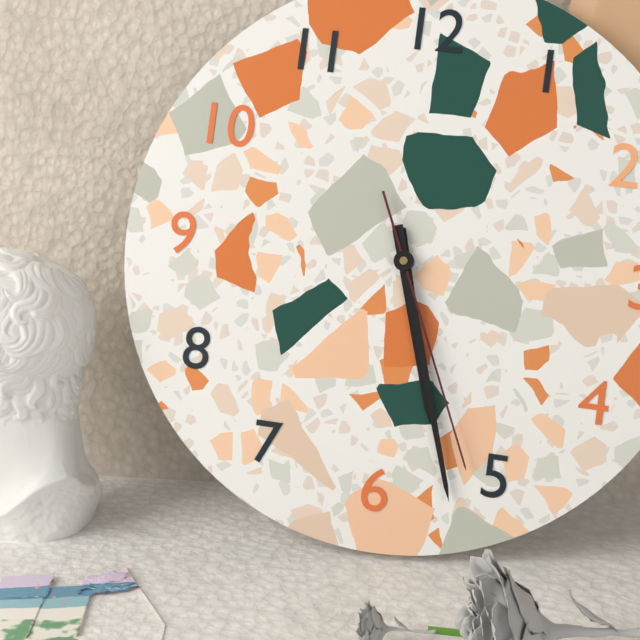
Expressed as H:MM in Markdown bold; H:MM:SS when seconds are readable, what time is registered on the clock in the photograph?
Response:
**5:27:26**
